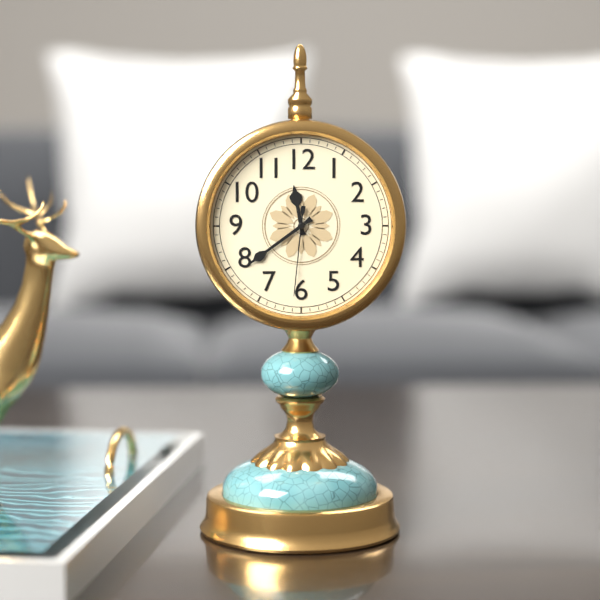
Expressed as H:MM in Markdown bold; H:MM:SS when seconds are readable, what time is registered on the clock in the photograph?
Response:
**11:39:31**
